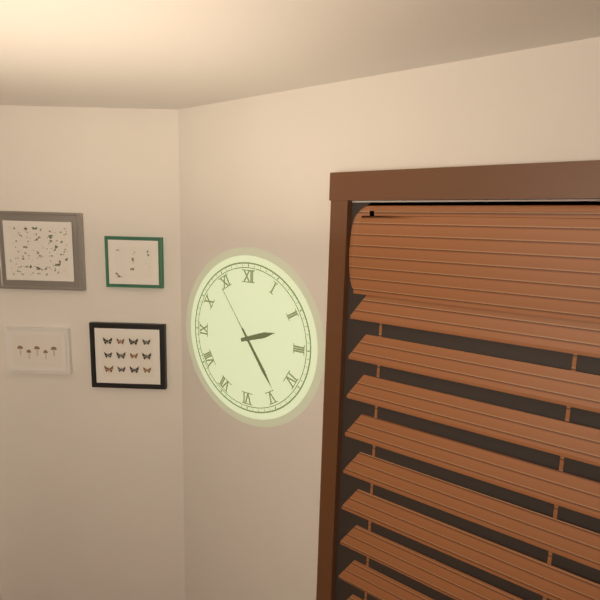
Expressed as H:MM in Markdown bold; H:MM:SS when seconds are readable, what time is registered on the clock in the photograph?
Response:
**2:24:54**
